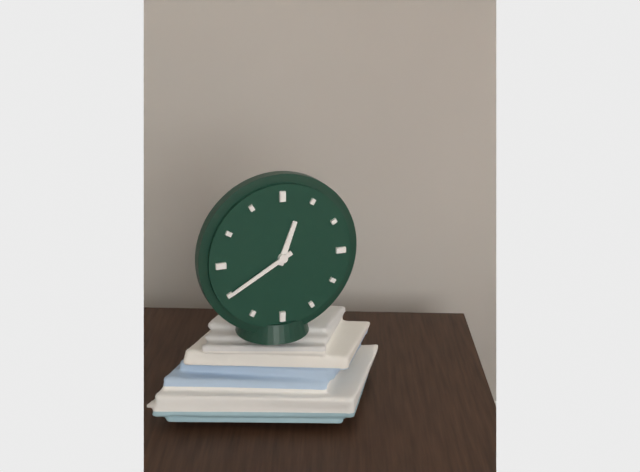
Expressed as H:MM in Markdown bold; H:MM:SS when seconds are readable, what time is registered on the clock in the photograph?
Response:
**12:40**
